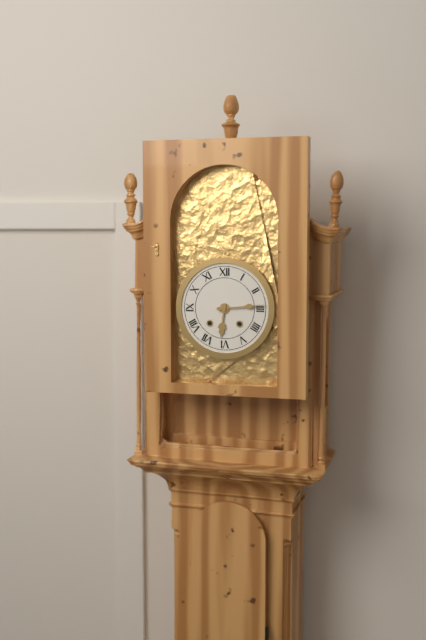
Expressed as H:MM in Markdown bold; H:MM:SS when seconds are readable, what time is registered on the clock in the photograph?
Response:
**6:14**
